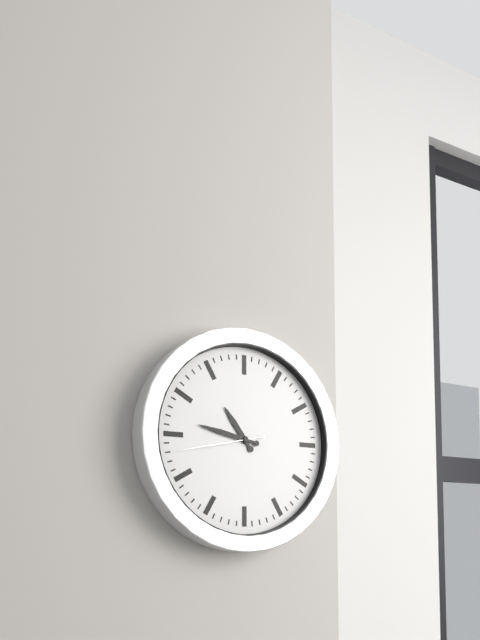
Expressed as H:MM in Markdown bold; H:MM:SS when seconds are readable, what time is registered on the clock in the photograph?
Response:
**10:47:43**
